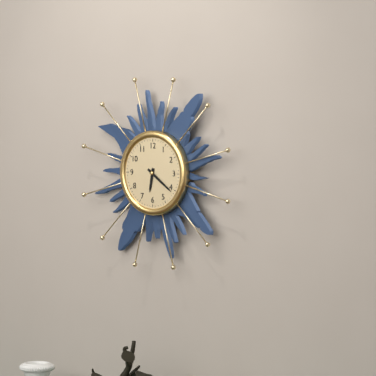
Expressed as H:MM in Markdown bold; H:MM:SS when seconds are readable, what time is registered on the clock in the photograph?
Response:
**6:21**
